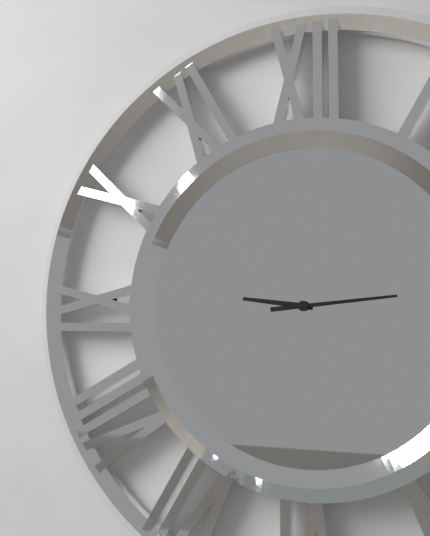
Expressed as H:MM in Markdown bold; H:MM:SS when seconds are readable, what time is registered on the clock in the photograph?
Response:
**9:14**
